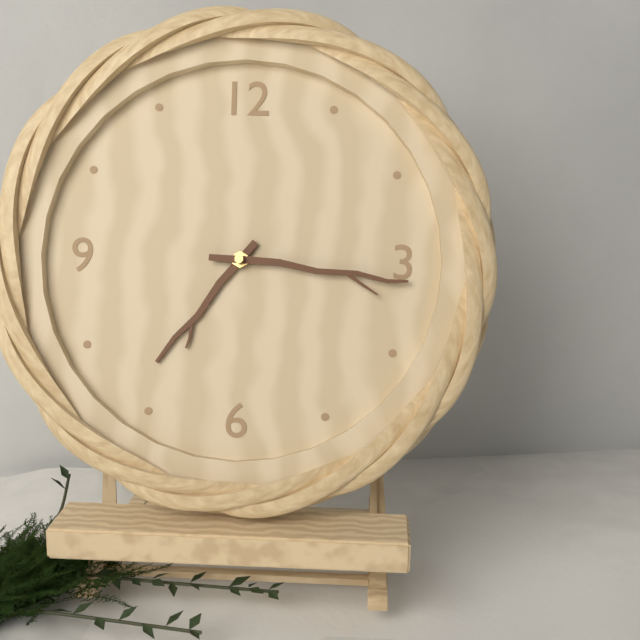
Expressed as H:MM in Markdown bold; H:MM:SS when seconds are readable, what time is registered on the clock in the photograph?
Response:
**7:16**
